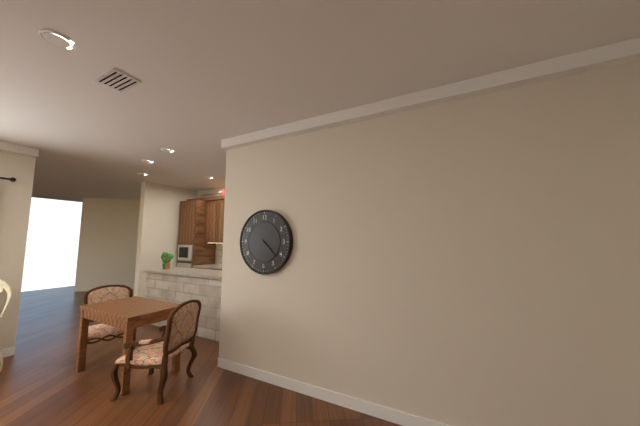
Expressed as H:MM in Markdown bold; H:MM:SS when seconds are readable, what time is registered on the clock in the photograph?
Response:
**4:22**
